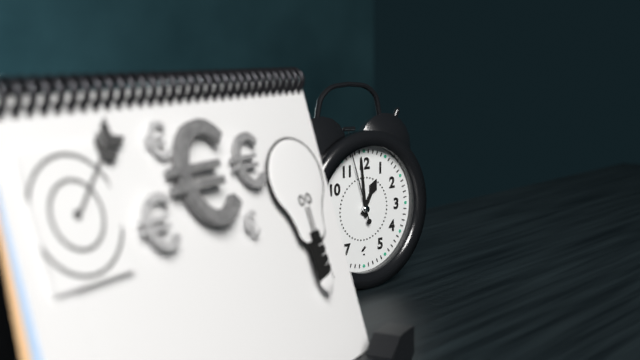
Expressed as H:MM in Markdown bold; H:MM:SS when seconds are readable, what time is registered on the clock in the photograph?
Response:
**12:59:57**
